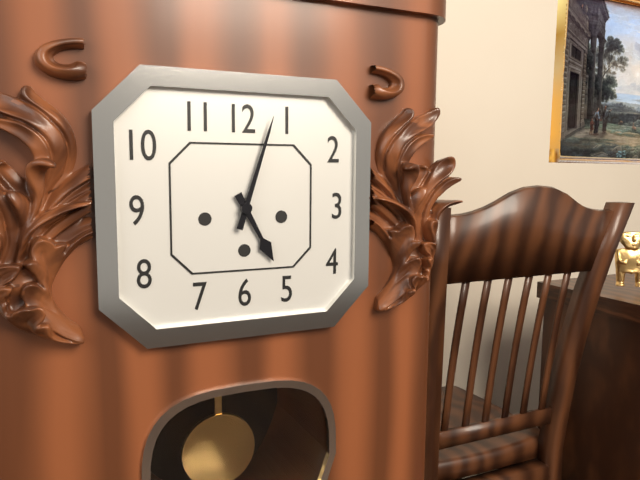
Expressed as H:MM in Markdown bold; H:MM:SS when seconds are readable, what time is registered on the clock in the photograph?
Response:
**5:03**
